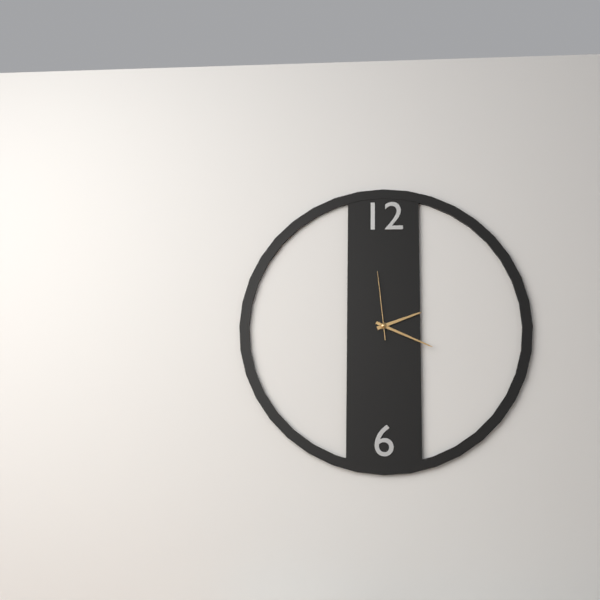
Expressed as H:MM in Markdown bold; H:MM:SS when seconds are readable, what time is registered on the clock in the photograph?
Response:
**2:19:59**
